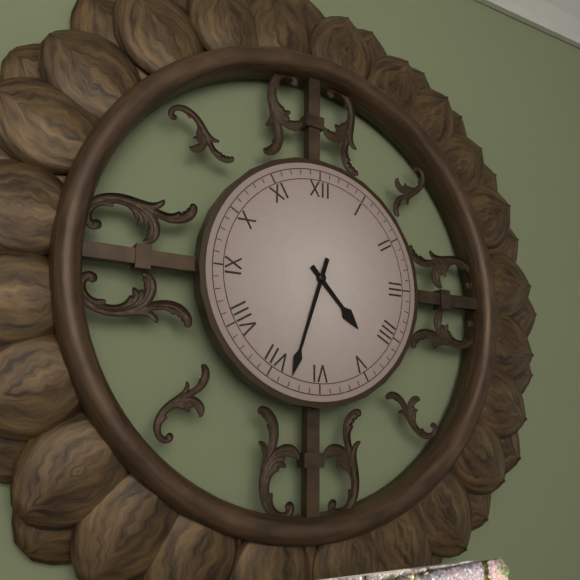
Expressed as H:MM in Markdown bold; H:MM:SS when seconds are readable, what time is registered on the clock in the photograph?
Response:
**4:33**
